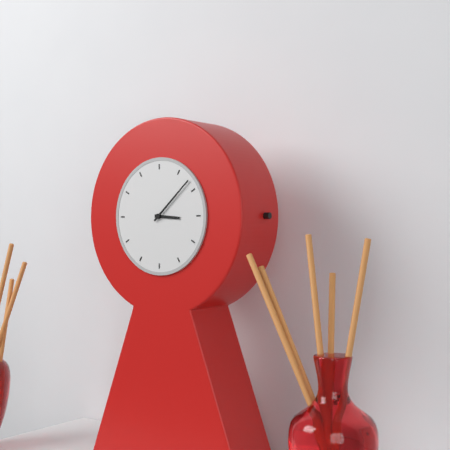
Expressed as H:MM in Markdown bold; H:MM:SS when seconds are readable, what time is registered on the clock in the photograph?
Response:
**3:08**
